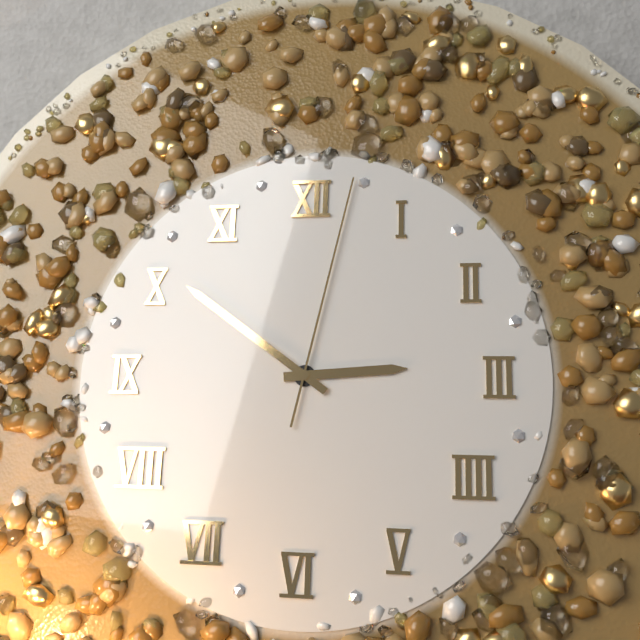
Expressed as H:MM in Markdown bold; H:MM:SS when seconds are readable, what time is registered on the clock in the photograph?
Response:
**2:51:02**
